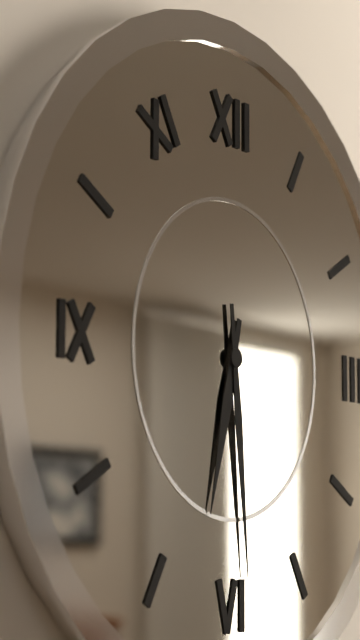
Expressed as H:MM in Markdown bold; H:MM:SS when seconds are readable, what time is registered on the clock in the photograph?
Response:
**6:29**
